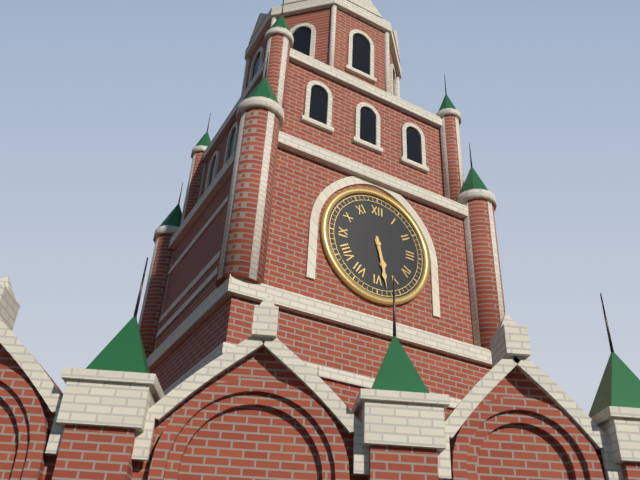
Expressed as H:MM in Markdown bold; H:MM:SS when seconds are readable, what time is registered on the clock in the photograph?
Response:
**5:28**
